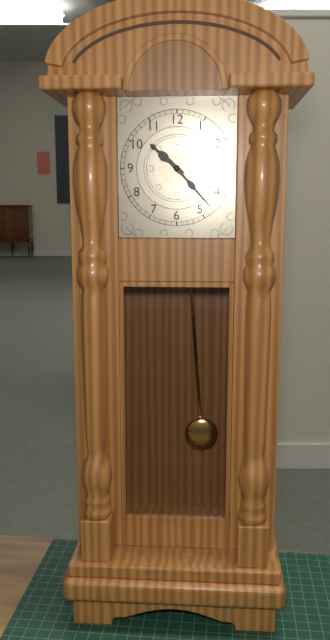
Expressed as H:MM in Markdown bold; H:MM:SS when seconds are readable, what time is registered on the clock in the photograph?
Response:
**10:23**
